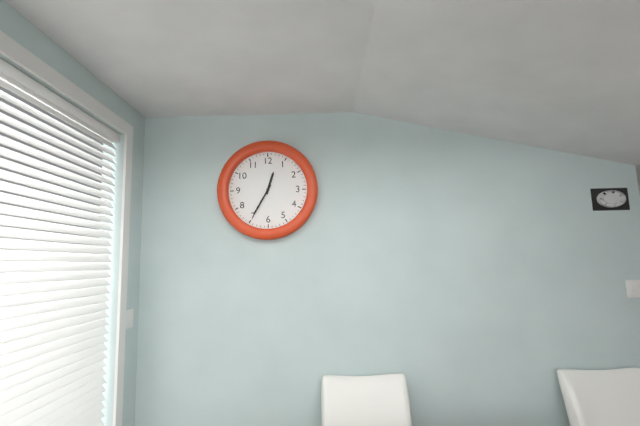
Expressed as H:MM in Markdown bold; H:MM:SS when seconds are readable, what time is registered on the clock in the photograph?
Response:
**12:35**
